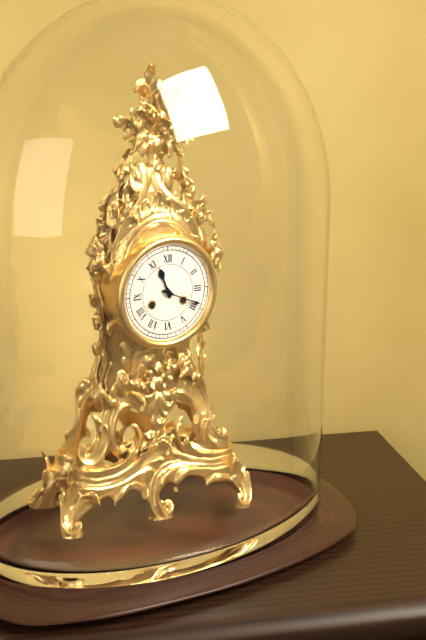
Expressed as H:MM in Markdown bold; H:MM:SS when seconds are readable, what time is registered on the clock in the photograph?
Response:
**11:19**
